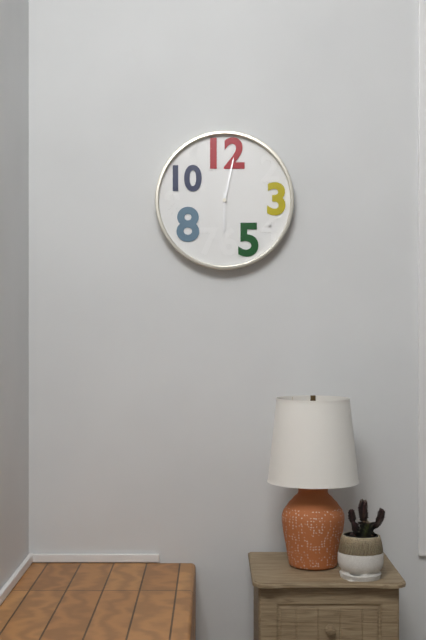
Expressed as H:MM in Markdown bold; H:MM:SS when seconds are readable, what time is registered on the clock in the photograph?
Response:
**6:02**
